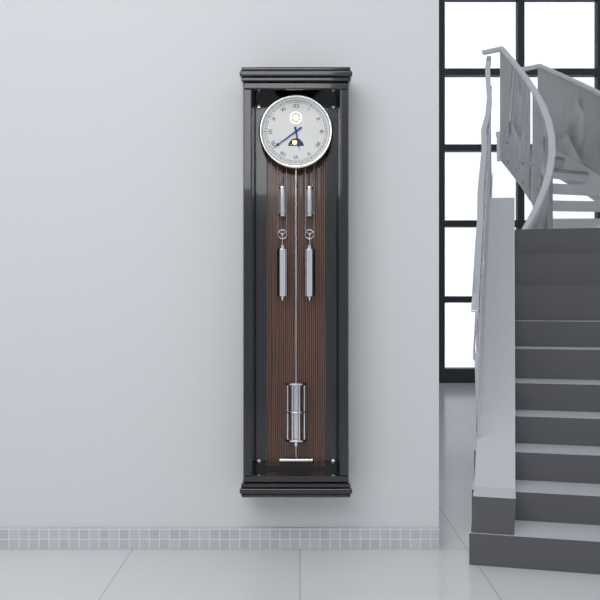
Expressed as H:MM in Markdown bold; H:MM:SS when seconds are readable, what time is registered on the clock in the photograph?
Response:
**5:39**
